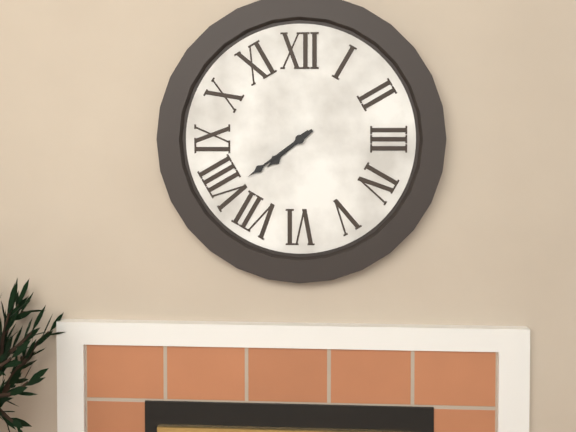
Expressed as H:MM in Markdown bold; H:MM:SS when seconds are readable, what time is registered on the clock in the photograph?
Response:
**7:39**
